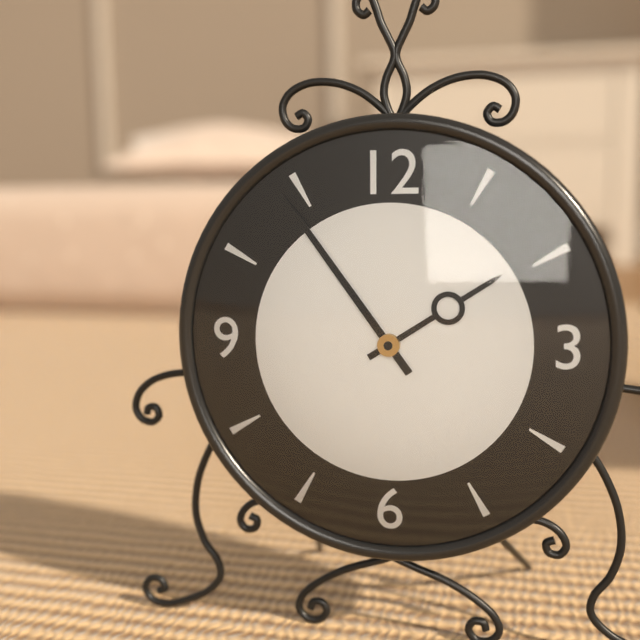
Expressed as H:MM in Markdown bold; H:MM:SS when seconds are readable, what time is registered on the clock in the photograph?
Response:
**1:54**
